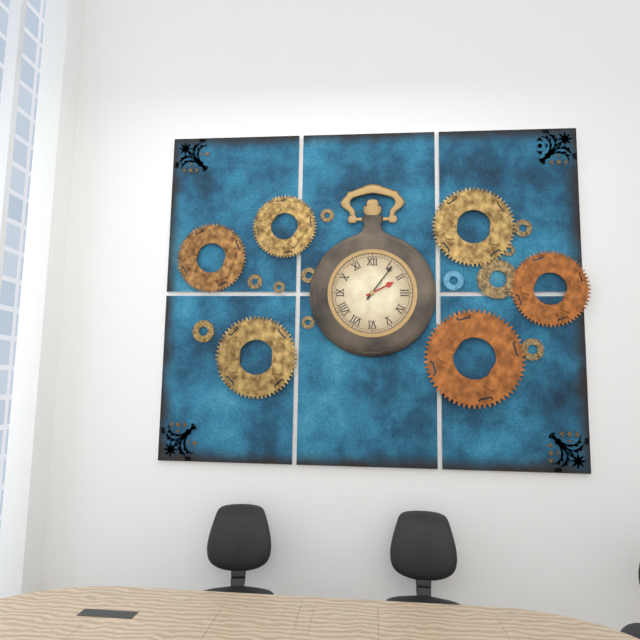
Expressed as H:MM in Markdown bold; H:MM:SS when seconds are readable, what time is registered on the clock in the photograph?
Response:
**2:06**
